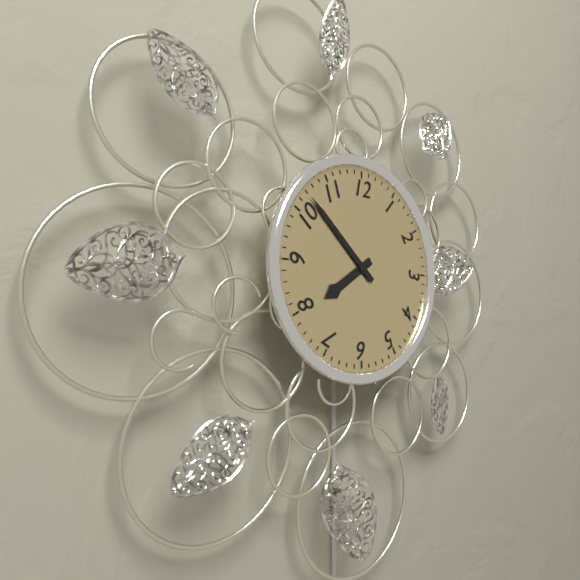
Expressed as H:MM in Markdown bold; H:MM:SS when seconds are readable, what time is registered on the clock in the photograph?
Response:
**7:52**
